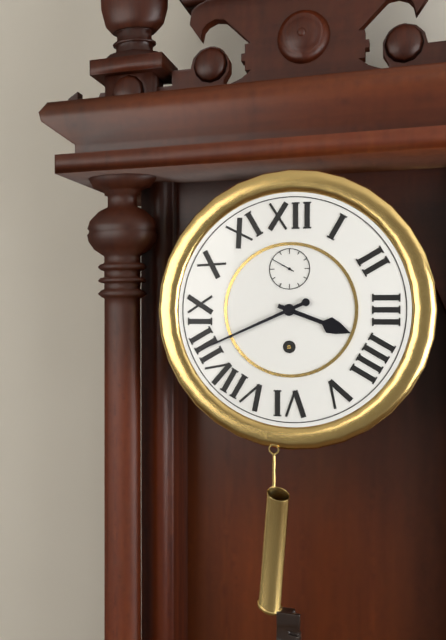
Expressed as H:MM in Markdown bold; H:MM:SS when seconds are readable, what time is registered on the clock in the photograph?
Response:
**3:41**
